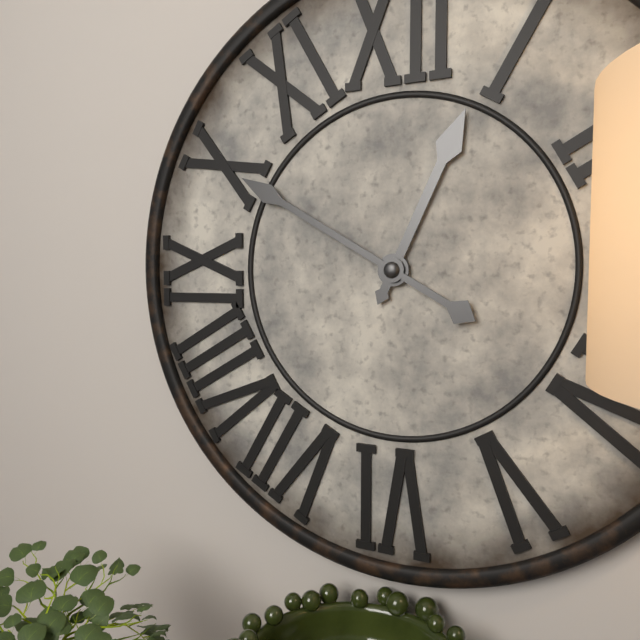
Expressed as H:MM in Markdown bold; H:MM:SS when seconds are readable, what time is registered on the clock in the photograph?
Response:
**12:50**
